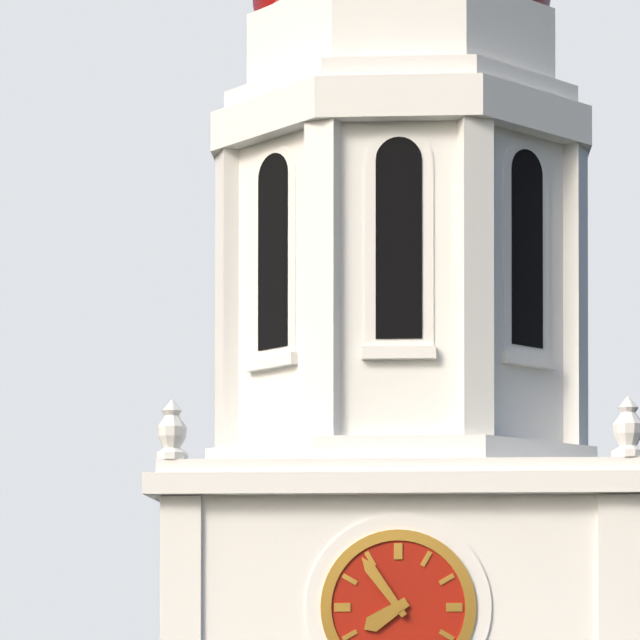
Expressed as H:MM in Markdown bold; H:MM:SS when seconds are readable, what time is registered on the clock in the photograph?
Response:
**7:54**
